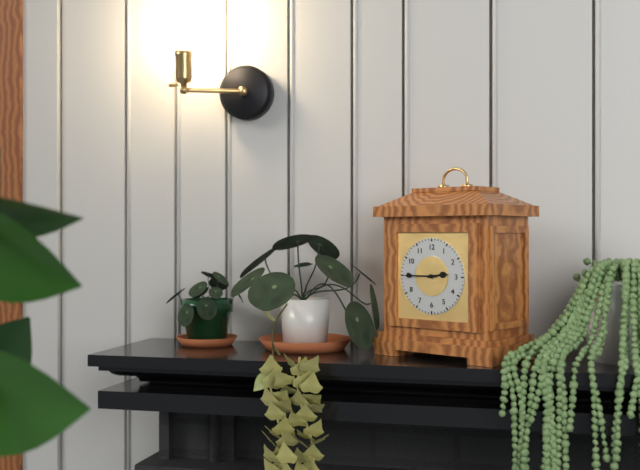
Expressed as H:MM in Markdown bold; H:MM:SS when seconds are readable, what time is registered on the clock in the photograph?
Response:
**2:45**
